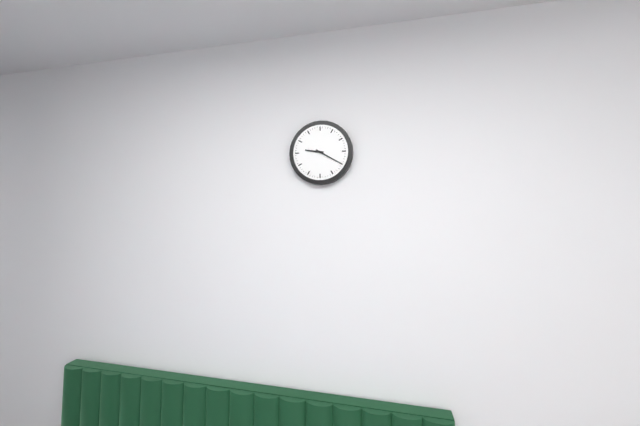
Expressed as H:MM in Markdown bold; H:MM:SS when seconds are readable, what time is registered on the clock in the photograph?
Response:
**9:20**
